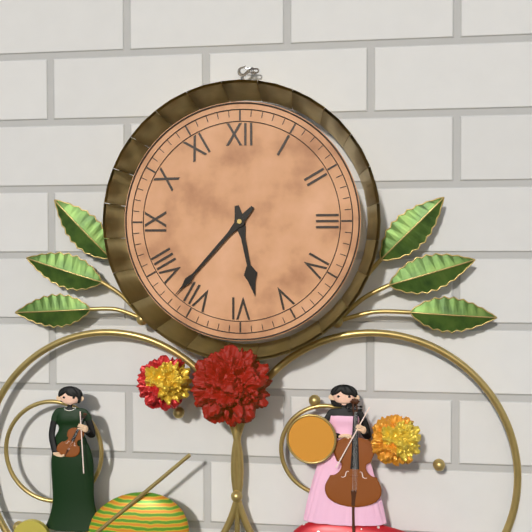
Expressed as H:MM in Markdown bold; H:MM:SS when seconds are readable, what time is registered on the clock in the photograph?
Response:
**5:37**
